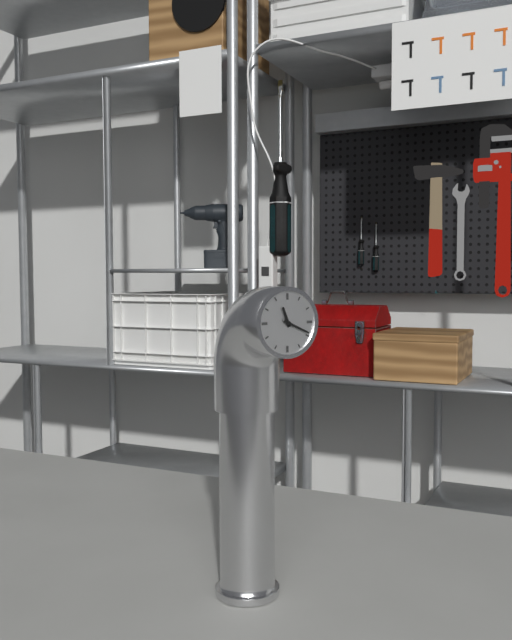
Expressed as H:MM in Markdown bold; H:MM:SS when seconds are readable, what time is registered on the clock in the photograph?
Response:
**11:19**
